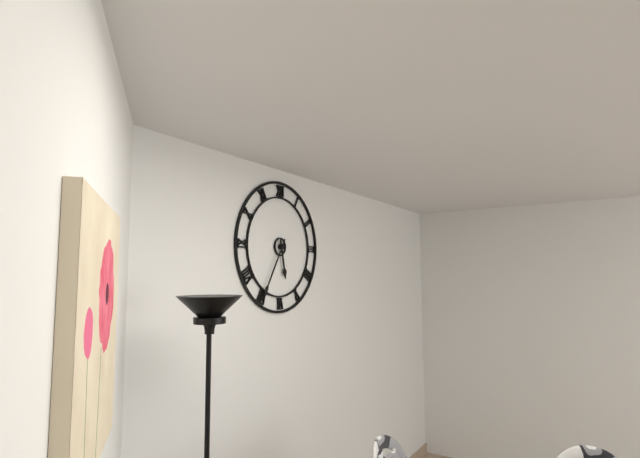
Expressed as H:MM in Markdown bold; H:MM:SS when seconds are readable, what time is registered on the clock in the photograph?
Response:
**5:35**
